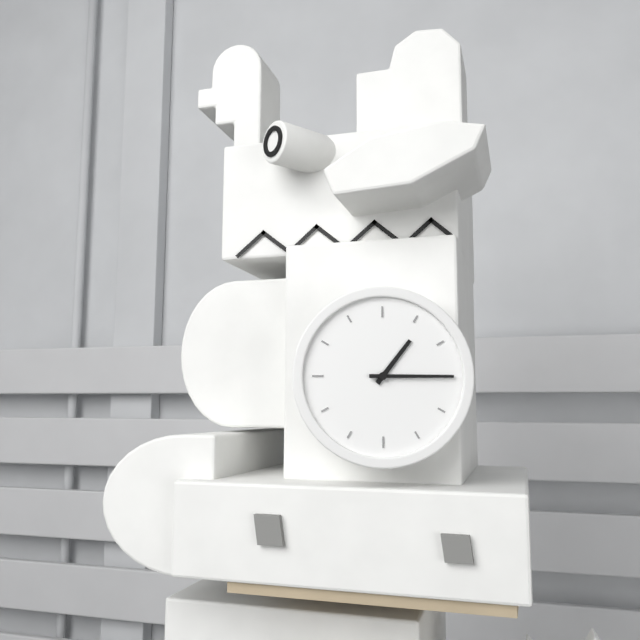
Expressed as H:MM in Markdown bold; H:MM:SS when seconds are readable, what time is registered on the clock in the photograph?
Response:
**1:15**
